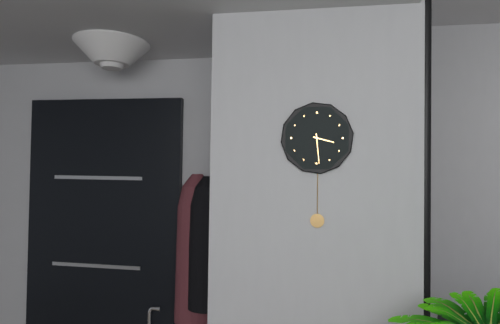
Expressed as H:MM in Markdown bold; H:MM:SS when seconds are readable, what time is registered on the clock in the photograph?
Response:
**3:29**
